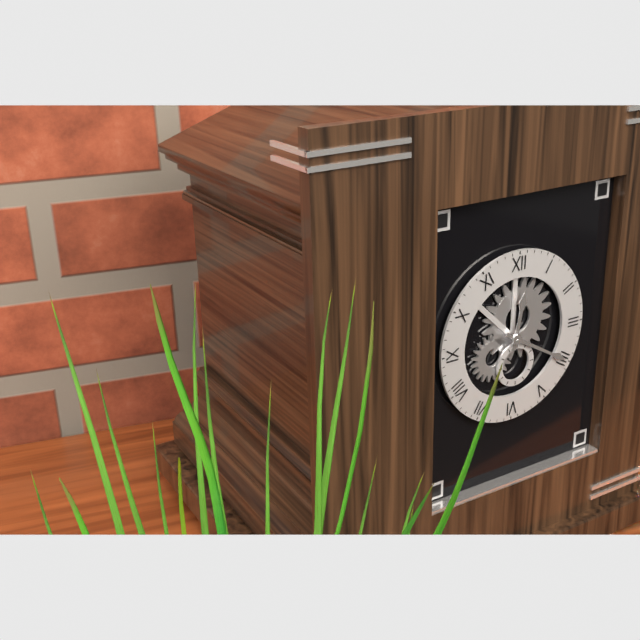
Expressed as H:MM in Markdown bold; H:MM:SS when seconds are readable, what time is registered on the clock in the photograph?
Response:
**12:20**
